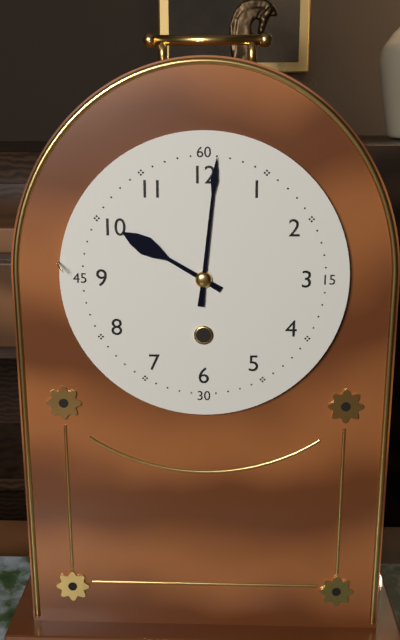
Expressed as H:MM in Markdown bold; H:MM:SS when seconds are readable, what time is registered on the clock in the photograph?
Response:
**10:01**
